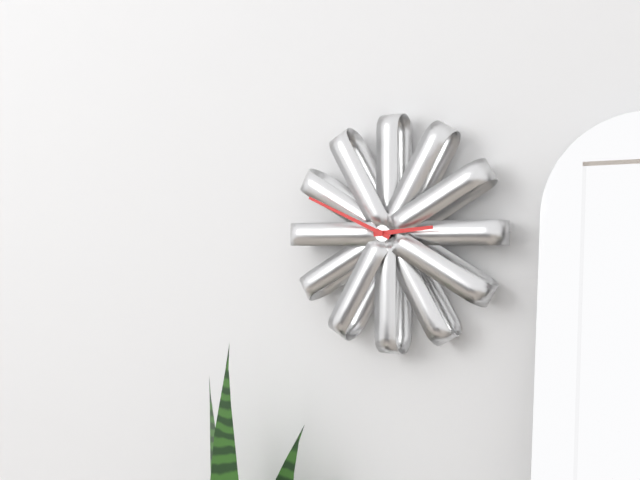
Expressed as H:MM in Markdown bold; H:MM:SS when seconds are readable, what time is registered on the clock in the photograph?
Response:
**2:49**
